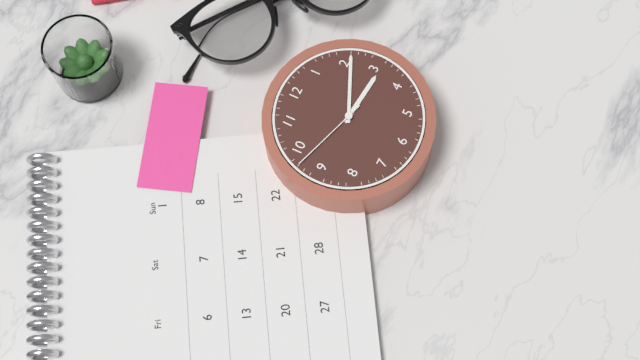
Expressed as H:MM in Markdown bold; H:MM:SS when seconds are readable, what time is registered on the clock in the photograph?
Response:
**3:11:48**
